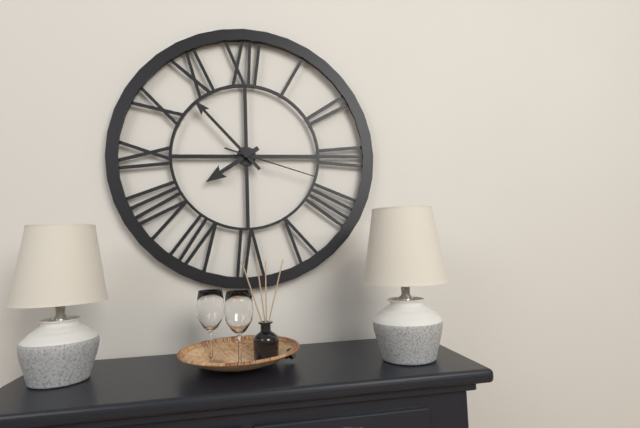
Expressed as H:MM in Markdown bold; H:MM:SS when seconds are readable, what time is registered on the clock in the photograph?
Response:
**7:53:18**
